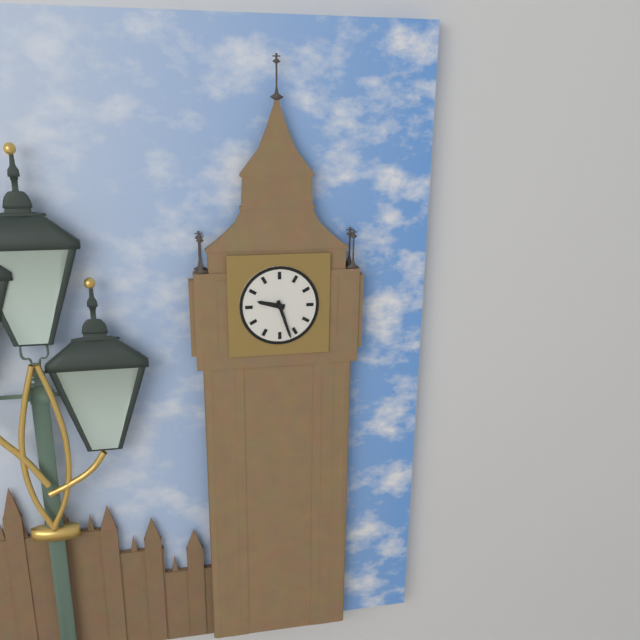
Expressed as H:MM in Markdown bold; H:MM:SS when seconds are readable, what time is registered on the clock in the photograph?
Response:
**9:27**
